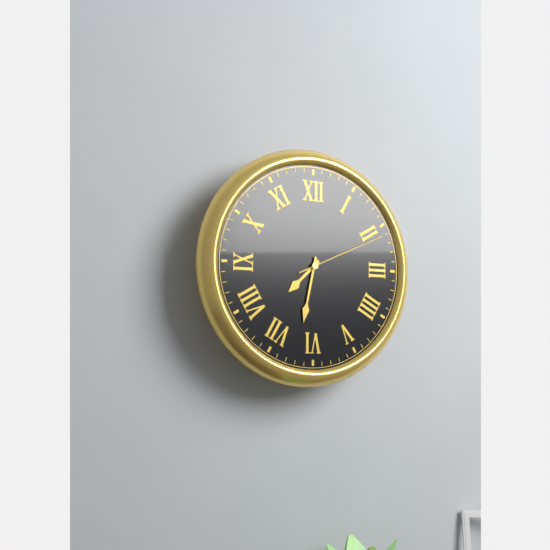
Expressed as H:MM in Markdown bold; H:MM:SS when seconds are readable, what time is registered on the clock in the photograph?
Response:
**7:32:11**
